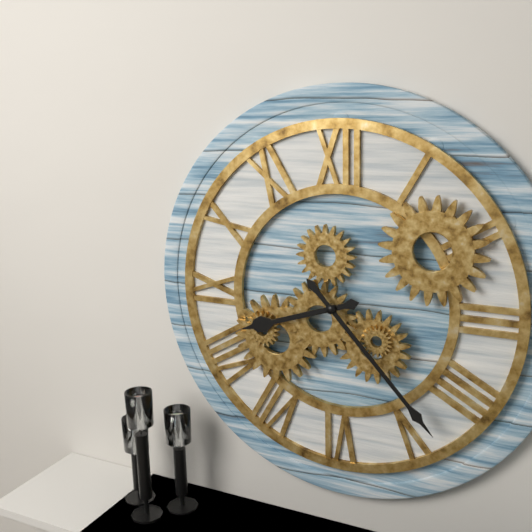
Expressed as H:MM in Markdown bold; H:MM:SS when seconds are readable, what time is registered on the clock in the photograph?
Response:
**8:23**
